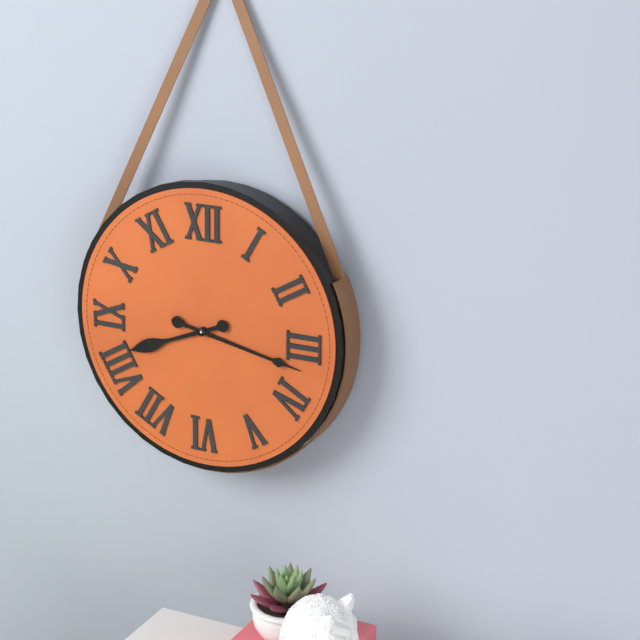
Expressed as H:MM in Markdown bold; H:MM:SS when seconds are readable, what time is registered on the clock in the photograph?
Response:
**8:17**
